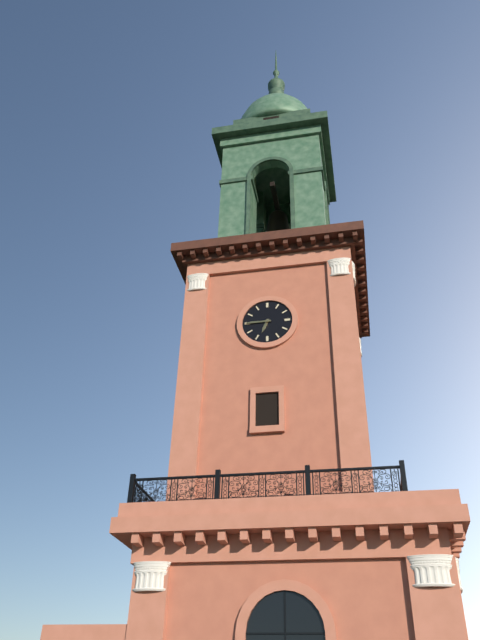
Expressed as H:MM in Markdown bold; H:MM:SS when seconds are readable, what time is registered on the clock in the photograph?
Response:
**6:45**
